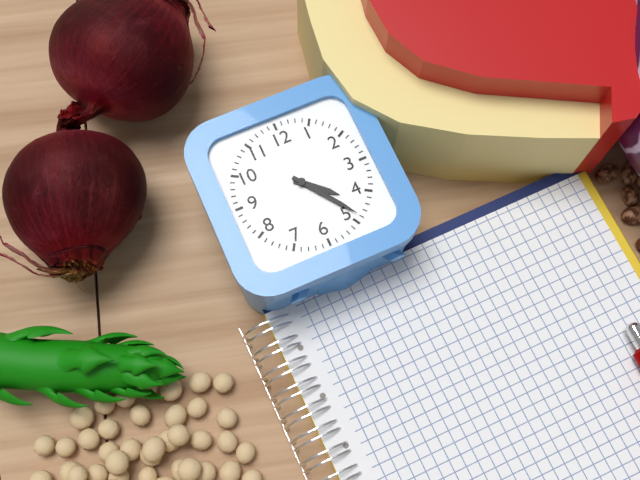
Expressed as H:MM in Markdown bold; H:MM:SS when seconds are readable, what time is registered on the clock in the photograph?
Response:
**4:24**
